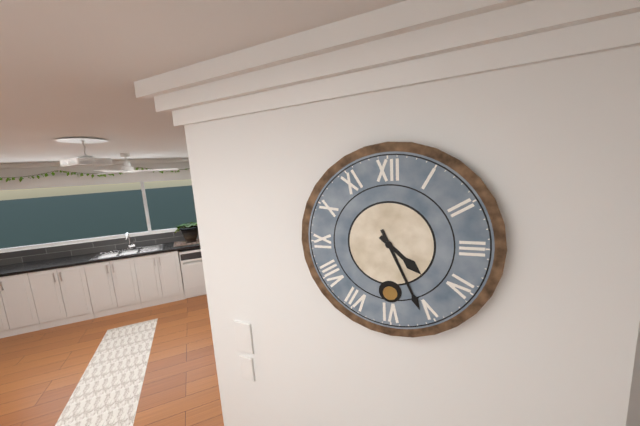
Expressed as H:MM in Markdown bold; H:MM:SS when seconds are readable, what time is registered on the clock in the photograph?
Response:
**4:26**
